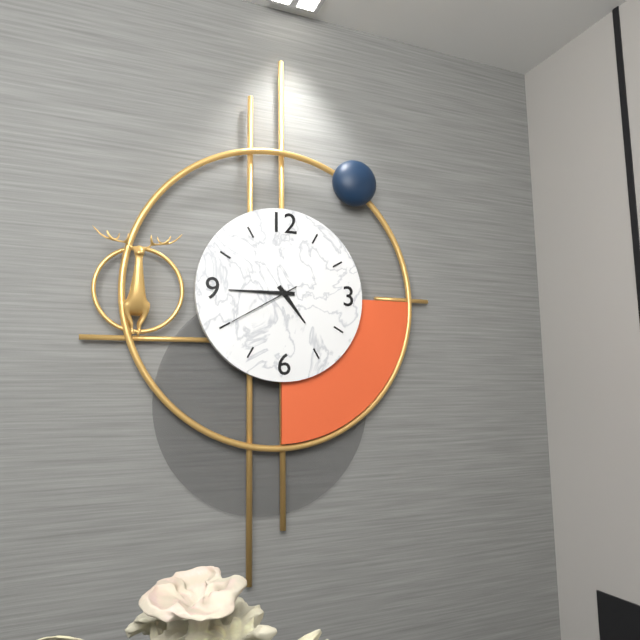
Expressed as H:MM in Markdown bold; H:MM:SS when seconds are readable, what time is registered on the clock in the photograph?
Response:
**4:45:40**
